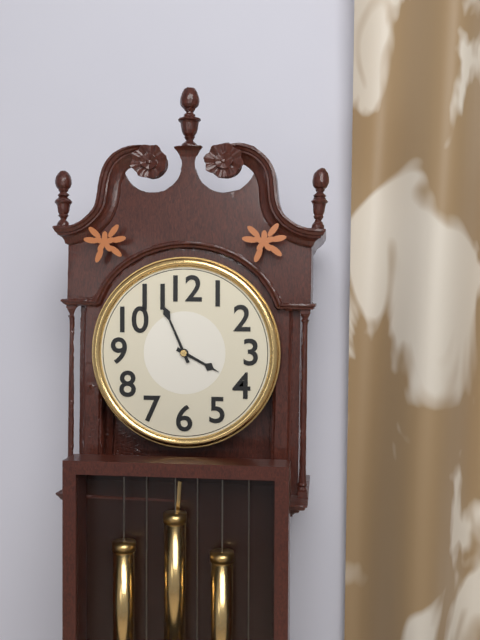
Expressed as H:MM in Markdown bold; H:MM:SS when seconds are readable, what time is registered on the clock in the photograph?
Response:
**3:56**
